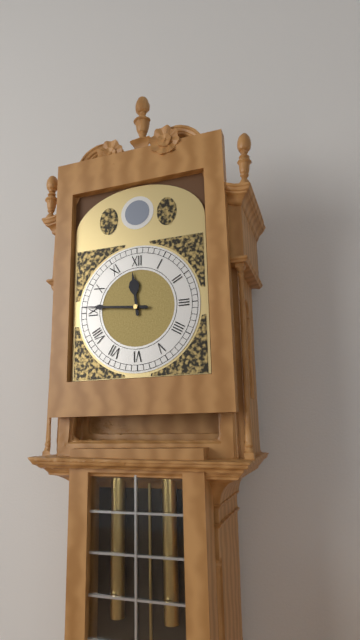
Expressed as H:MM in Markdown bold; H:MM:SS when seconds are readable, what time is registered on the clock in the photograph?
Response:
**11:46**
